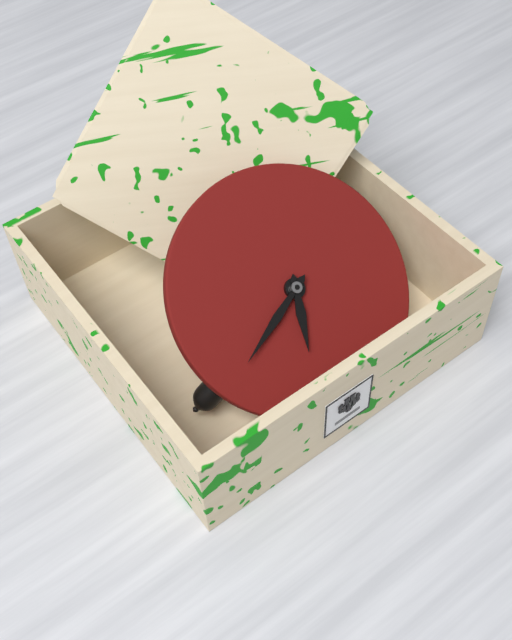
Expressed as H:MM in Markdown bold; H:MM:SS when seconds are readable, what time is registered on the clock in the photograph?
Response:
**6:41**
